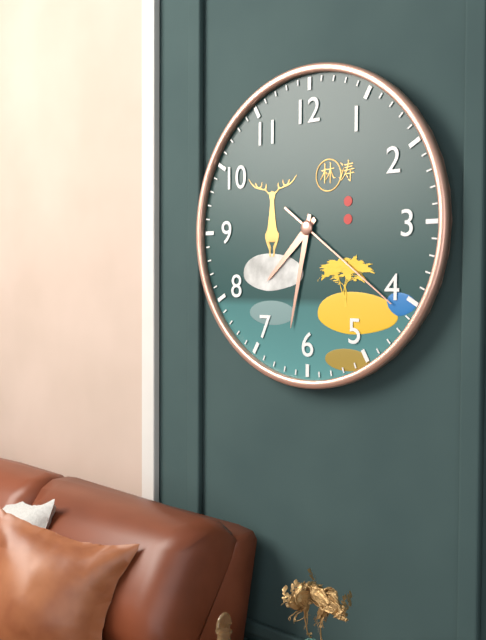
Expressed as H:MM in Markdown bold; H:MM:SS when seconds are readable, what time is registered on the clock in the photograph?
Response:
**7:32:21**
